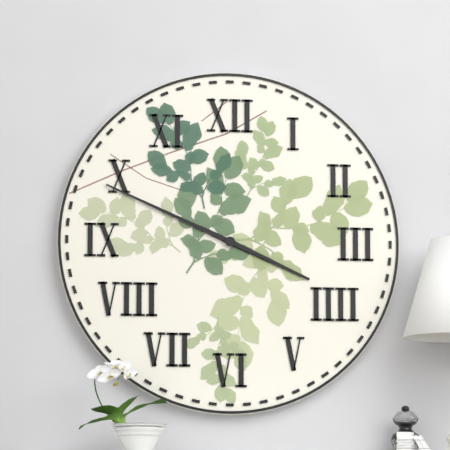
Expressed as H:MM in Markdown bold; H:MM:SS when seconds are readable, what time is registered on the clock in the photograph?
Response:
**3:49**
